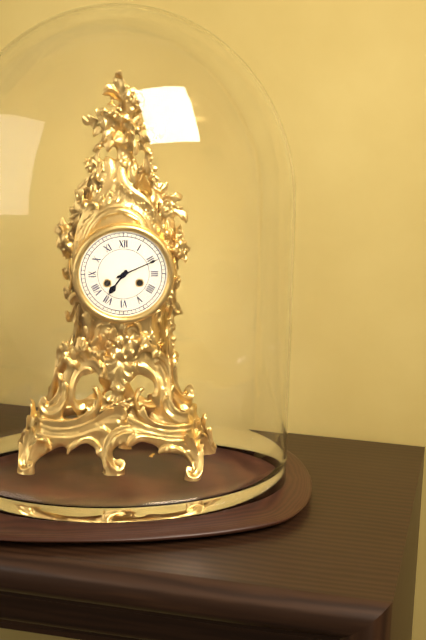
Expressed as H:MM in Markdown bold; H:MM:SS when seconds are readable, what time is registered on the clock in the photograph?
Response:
**7:11**
